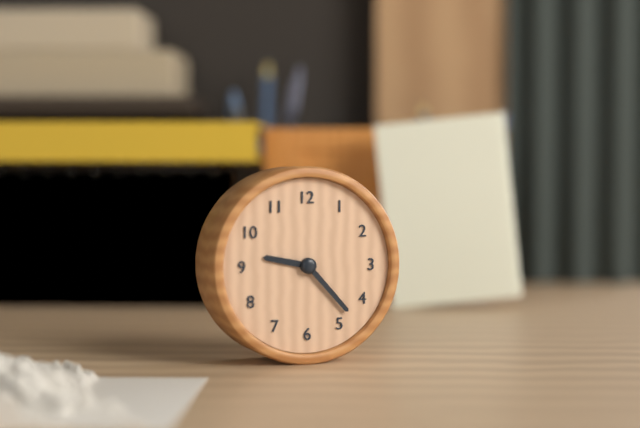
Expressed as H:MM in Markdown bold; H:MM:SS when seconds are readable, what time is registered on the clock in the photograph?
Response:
**9:23**
